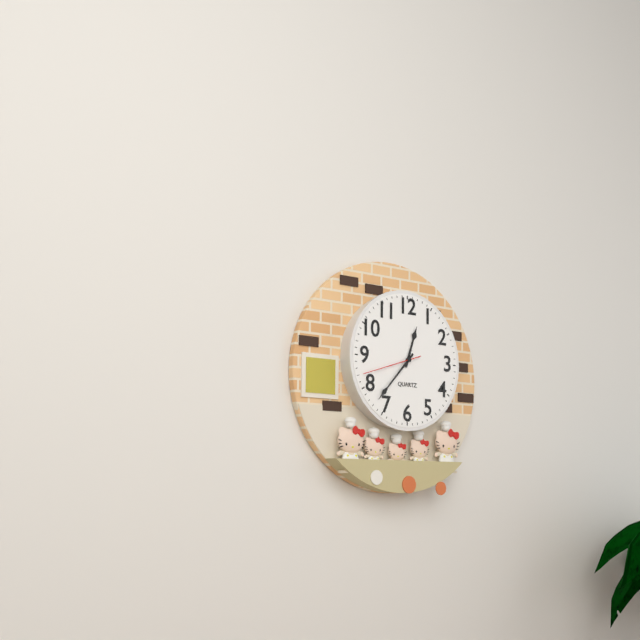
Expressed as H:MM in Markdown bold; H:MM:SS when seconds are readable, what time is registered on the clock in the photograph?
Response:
**12:37:42**
